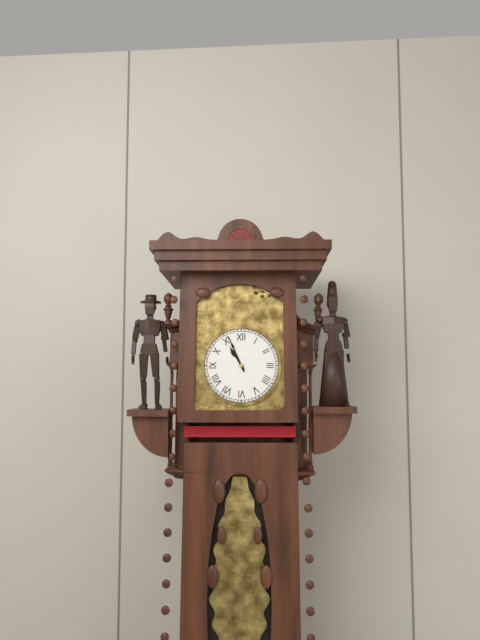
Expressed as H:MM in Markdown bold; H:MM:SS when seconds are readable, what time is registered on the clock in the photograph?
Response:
**10:56**
